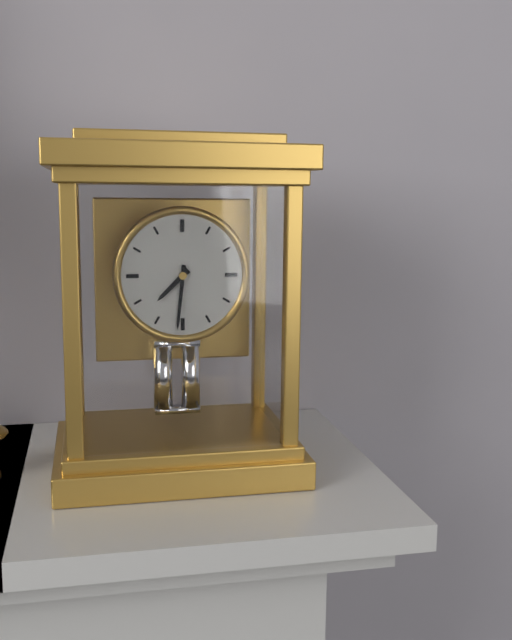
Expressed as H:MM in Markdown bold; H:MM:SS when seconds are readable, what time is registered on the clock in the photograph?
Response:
**7:31**
